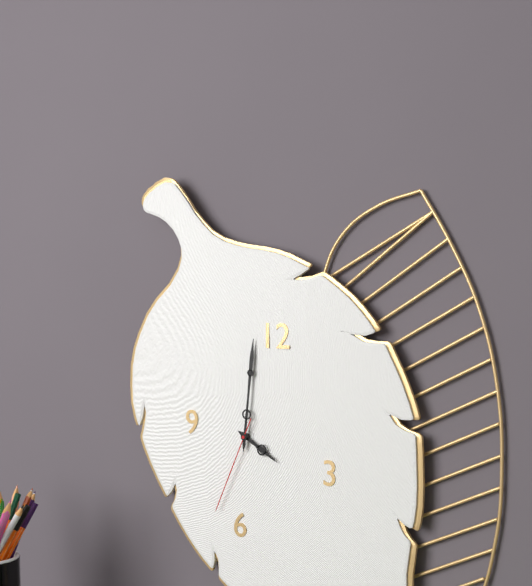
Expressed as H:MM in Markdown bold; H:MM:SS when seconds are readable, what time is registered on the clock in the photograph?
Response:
**4:01:34**
